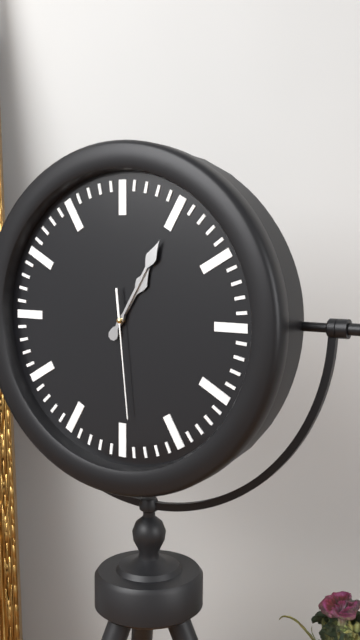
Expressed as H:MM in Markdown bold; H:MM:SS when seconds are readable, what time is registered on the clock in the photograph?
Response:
**1:05:29**
